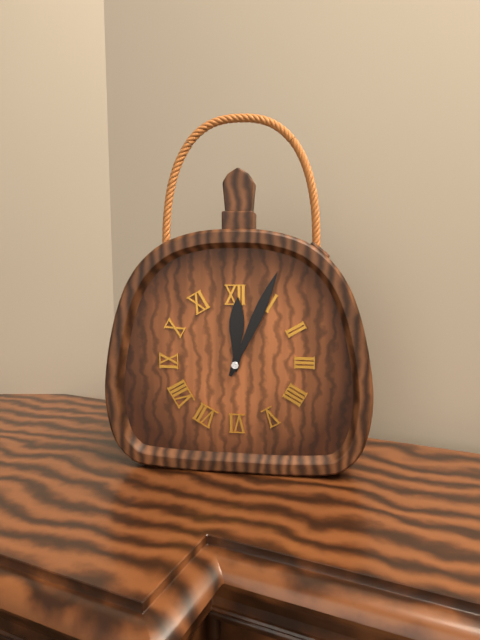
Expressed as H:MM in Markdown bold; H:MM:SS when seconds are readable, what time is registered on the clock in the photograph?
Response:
**12:04**
